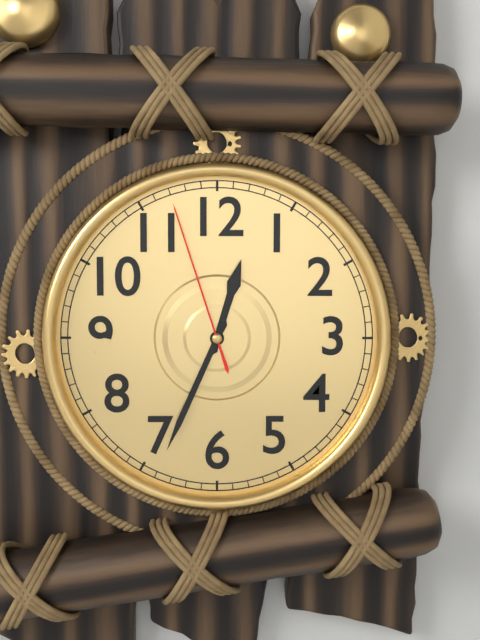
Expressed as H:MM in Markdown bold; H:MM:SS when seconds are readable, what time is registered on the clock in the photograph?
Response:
**12:34:57**
